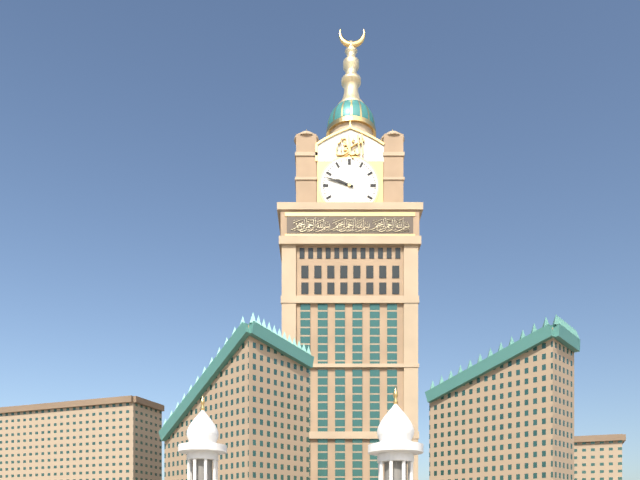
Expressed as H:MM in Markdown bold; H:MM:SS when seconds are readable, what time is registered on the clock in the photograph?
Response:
**9:48**
